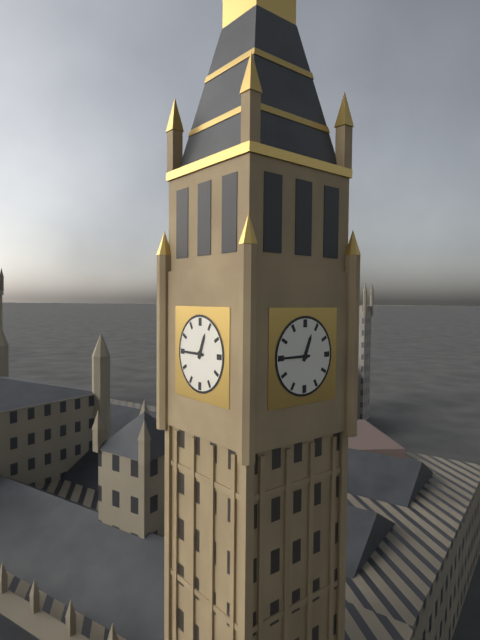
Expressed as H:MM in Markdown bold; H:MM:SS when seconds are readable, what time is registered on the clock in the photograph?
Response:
**12:45**
